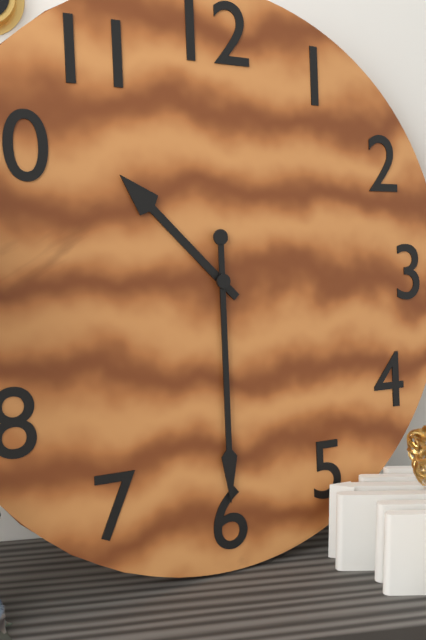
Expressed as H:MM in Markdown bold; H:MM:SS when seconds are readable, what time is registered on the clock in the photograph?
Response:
**10:30**
